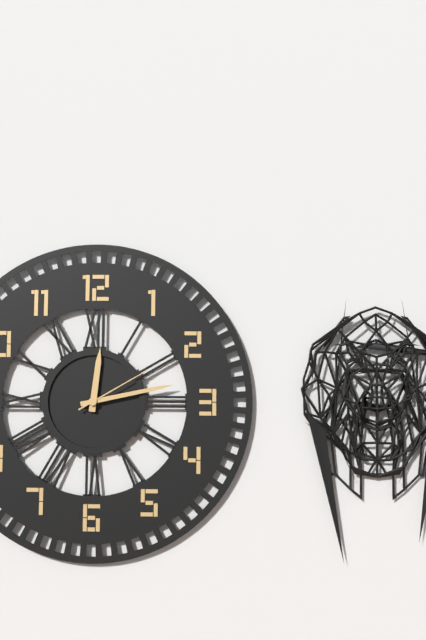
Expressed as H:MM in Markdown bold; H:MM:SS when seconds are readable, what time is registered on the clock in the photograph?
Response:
**12:13:10**
